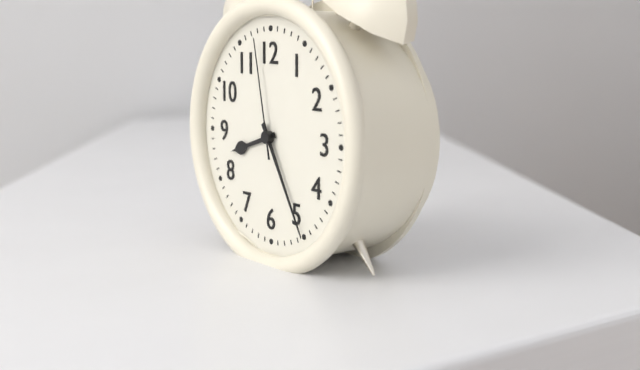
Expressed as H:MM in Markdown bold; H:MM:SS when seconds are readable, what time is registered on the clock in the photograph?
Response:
**8:25:58**
